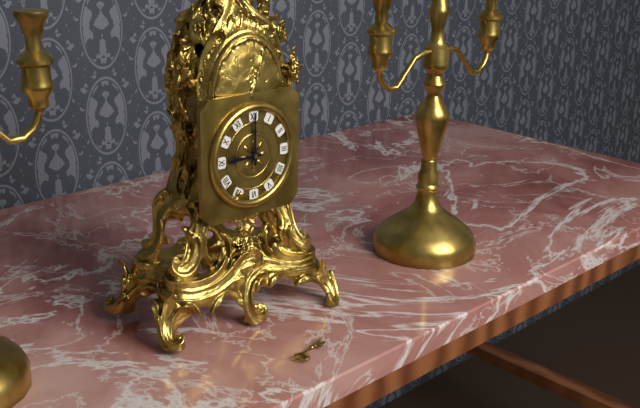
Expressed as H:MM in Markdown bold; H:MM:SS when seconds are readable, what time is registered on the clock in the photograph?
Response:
**9:00**
